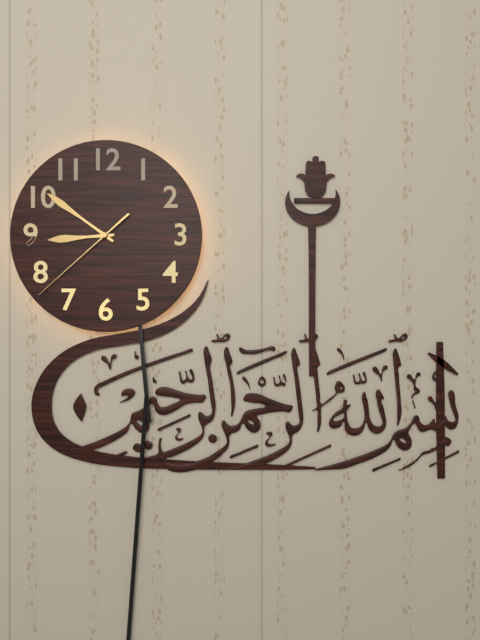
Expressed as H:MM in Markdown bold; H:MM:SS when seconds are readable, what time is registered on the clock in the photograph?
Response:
**8:51:38**
